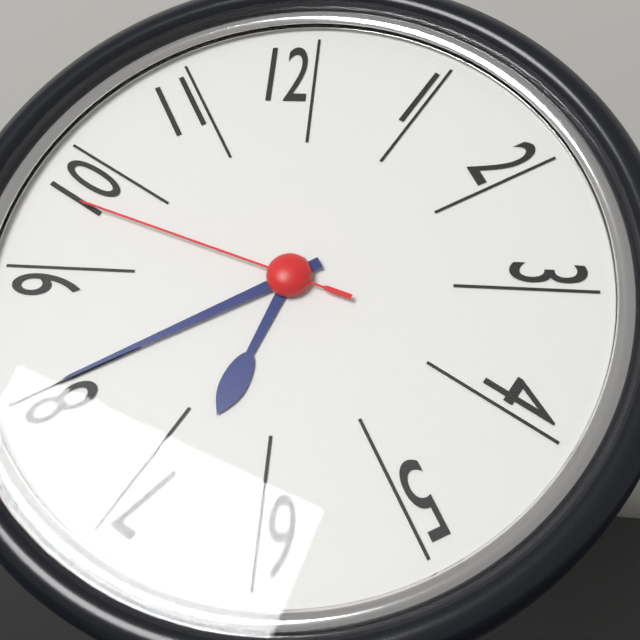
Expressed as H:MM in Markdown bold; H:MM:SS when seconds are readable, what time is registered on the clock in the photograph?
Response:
**6:40:48**
